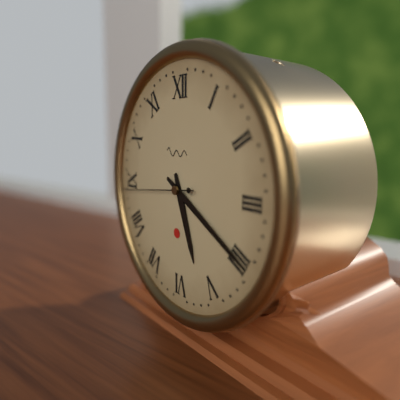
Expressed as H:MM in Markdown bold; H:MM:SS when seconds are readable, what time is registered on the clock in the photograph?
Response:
**5:20:44**
